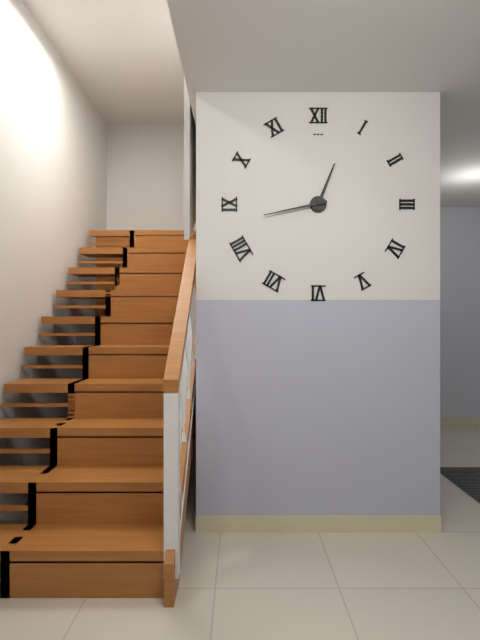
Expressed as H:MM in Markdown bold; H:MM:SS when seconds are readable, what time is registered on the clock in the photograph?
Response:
**12:43**
